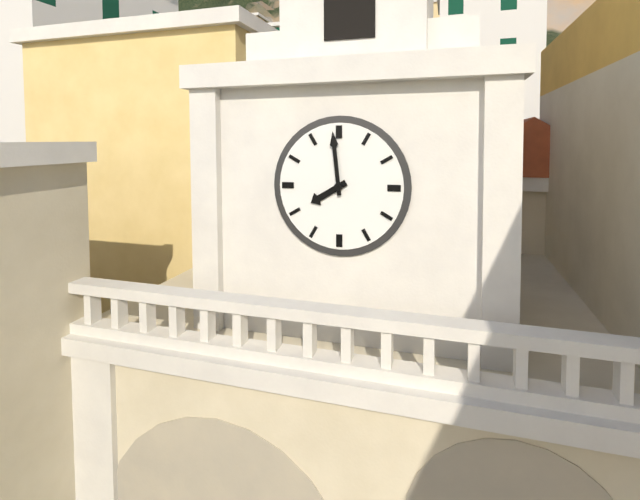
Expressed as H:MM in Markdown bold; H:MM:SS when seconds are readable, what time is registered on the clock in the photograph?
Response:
**7:59**
